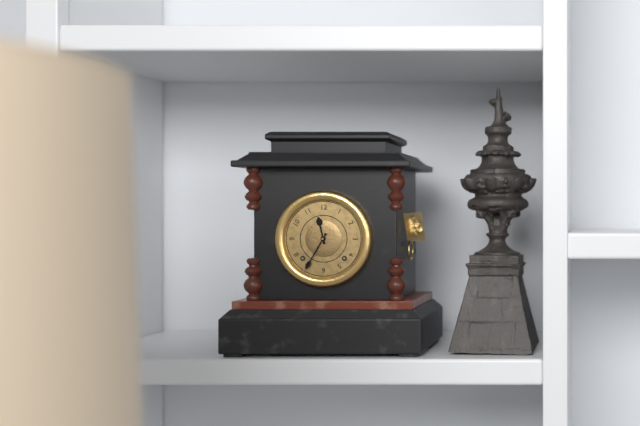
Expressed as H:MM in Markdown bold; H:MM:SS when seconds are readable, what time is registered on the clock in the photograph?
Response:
**11:35**
